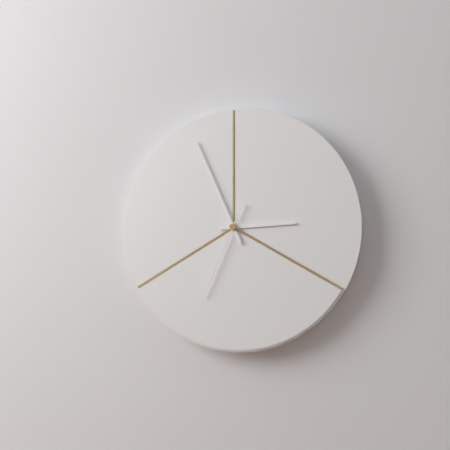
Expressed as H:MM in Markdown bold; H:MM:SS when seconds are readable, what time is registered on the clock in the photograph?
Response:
**2:56:34**
